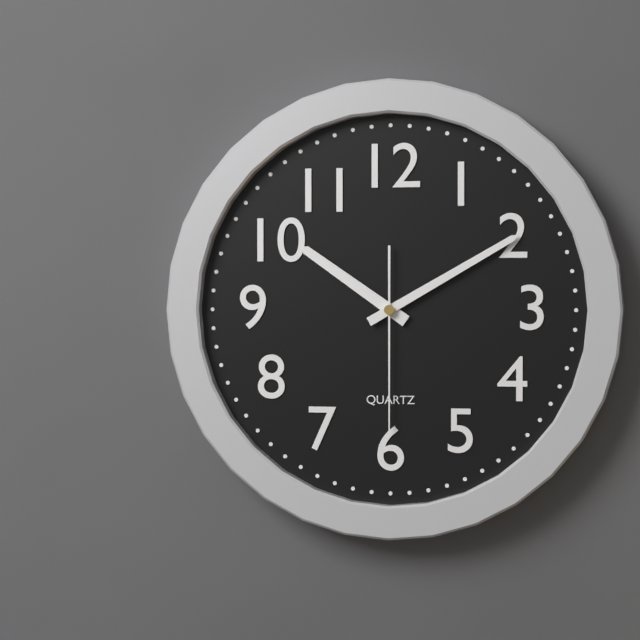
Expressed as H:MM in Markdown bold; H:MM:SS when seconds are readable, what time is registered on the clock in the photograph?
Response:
**10:10:30**
